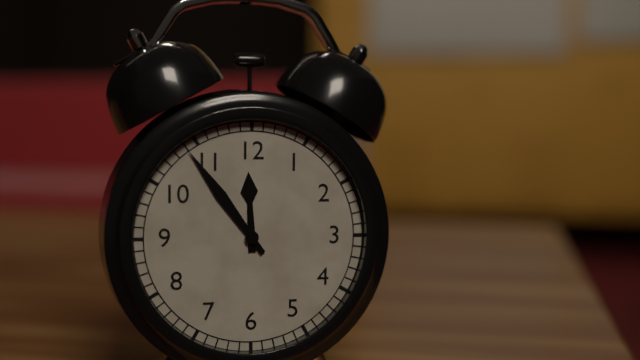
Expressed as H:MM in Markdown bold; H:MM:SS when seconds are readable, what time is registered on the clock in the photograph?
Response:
**11:54**
